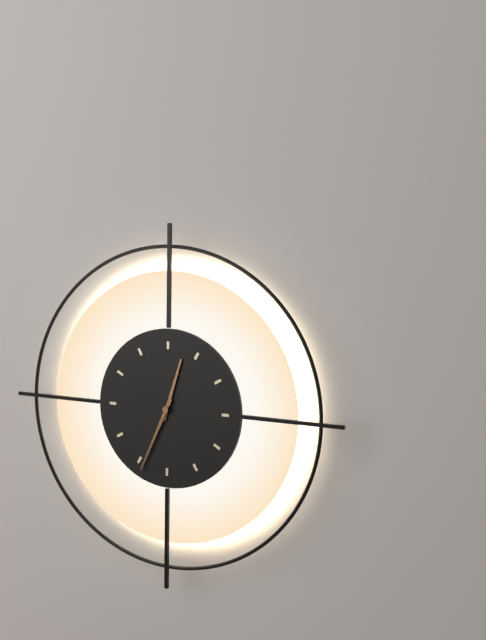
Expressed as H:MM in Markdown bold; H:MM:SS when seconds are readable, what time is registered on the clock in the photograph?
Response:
**12:34**
